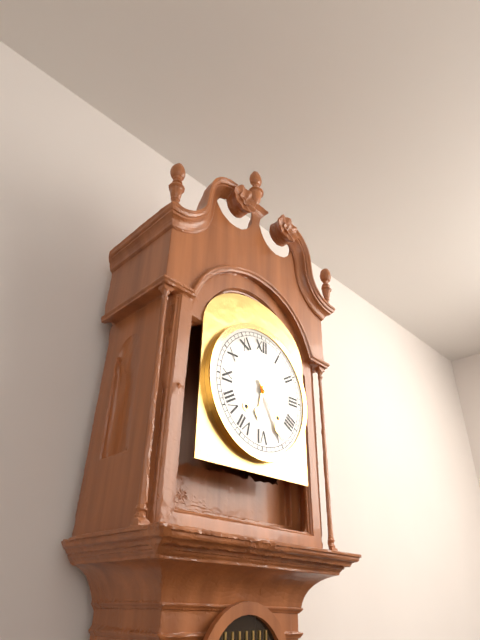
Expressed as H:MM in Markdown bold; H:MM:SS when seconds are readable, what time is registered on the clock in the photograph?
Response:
**6:25**
